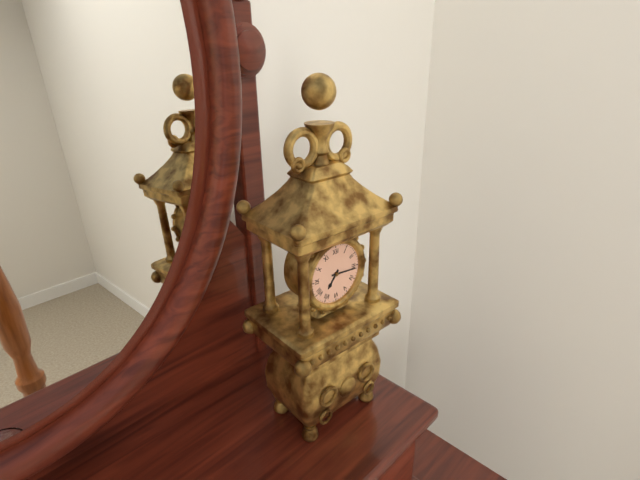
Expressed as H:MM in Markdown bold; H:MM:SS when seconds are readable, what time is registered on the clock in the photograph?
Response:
**7:16**
